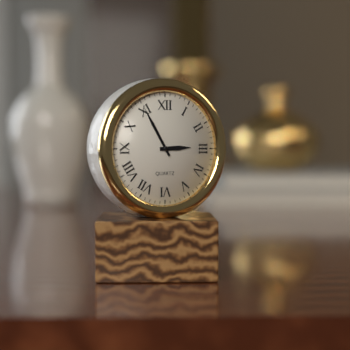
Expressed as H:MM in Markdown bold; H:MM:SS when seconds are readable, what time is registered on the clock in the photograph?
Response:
**2:55**
